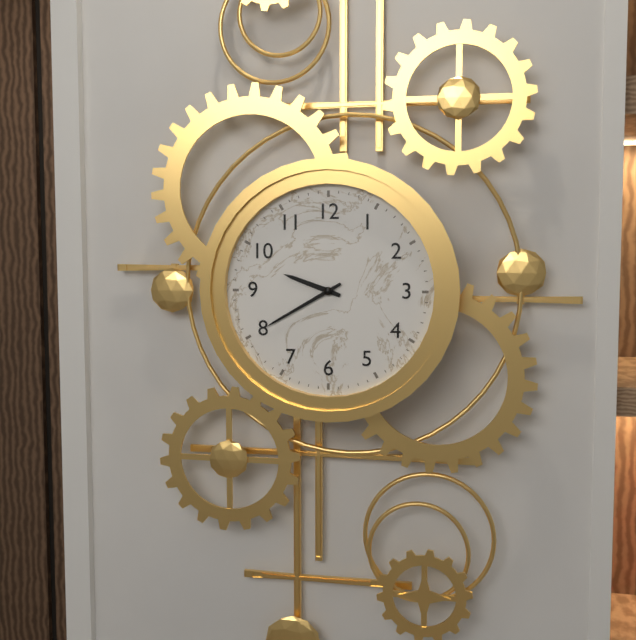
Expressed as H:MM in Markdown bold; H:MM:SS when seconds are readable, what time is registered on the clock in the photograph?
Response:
**9:40**
